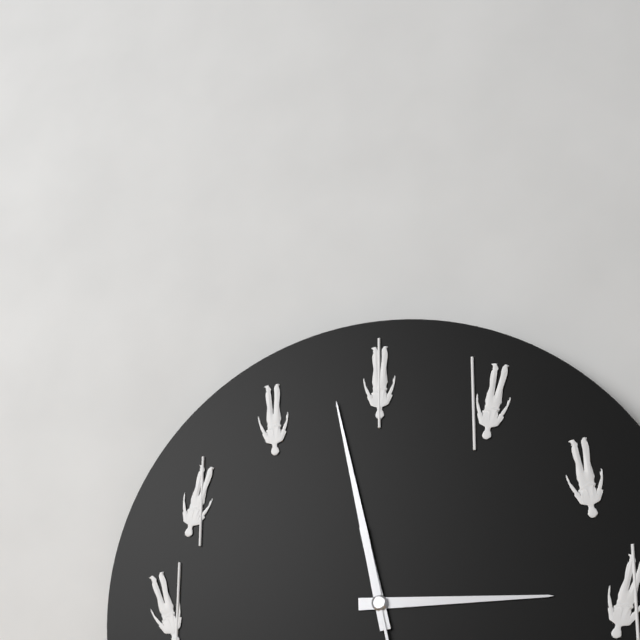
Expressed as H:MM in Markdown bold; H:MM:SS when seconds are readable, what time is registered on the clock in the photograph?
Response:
**2:58**
